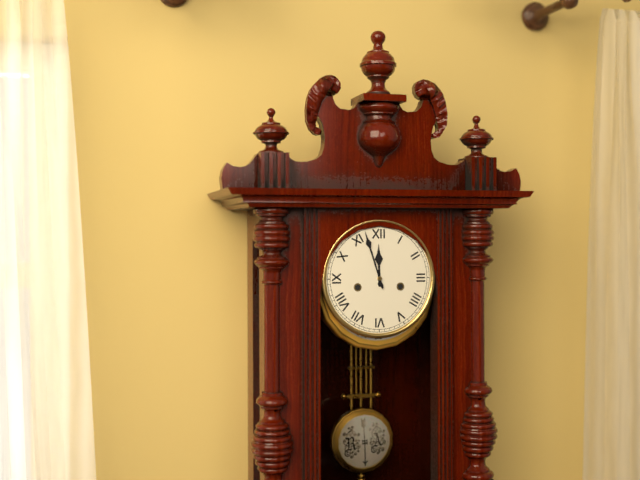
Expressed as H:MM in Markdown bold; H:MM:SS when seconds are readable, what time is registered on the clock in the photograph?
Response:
**11:57**
